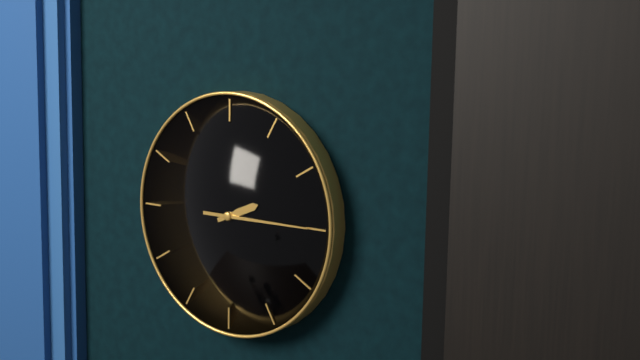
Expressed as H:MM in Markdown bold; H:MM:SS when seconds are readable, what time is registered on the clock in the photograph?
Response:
**2:15**
